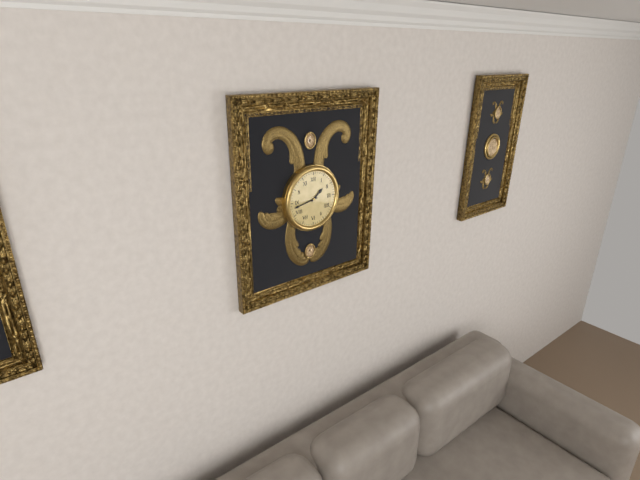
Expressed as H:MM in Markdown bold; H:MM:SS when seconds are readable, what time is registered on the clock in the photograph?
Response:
**1:43**
